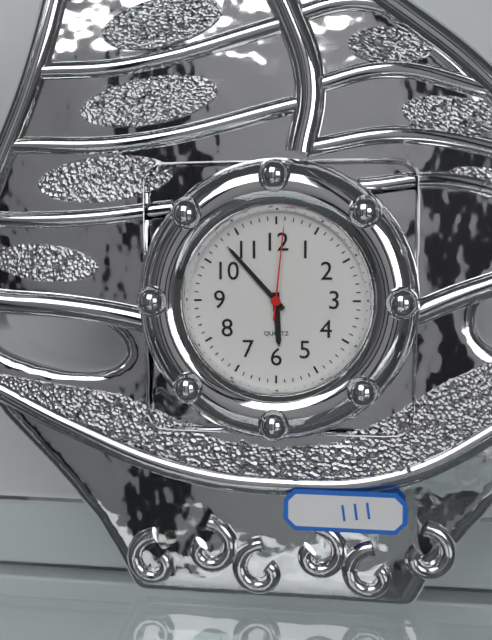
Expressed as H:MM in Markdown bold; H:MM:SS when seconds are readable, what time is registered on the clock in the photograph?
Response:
**5:53:01**
